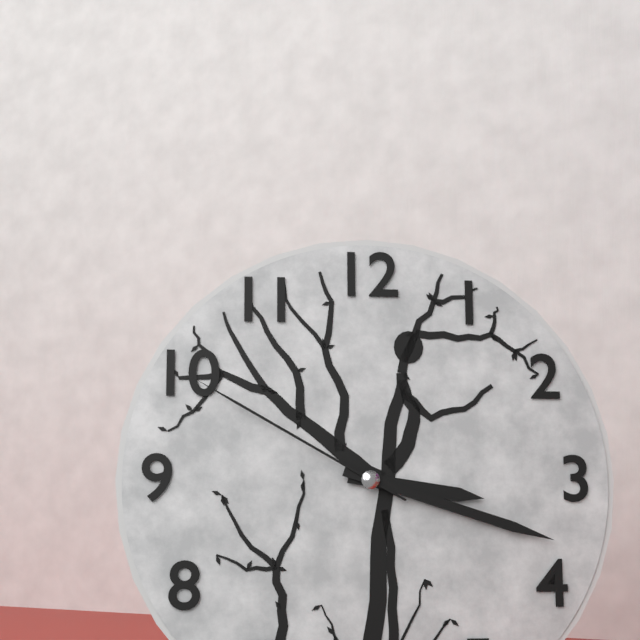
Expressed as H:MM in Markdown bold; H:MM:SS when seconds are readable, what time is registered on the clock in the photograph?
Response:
**3:18:50**
